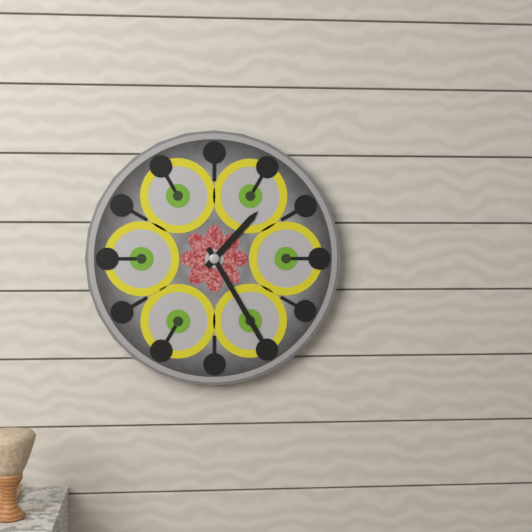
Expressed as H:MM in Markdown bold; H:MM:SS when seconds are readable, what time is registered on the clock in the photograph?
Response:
**1:25**
